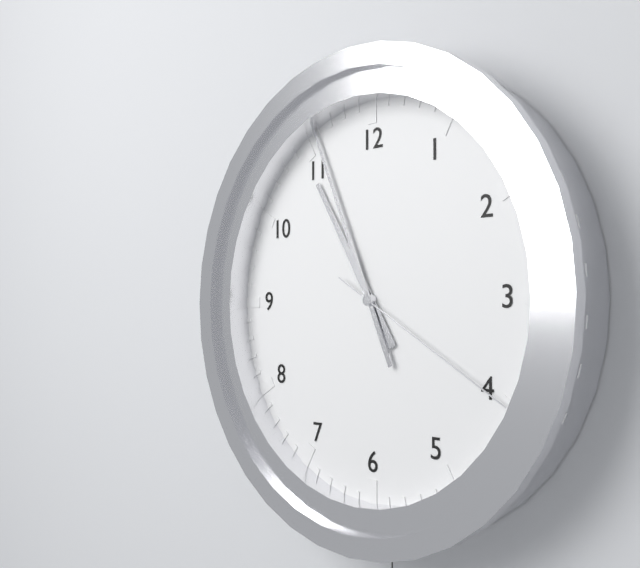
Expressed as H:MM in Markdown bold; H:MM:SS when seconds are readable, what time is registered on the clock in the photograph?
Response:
**10:56:20**
